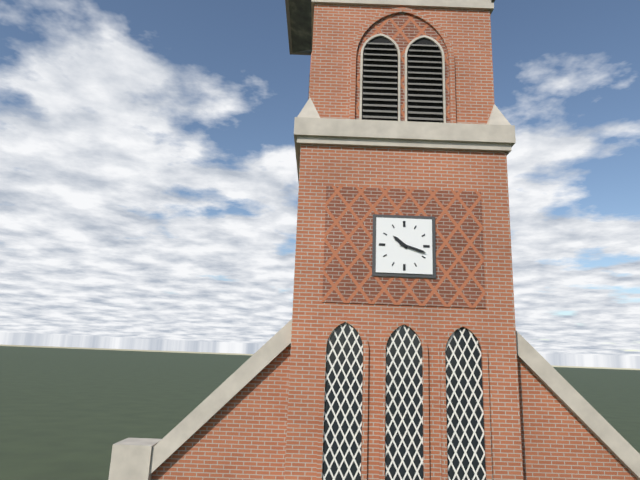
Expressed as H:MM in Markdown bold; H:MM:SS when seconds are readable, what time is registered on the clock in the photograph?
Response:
**10:18**
